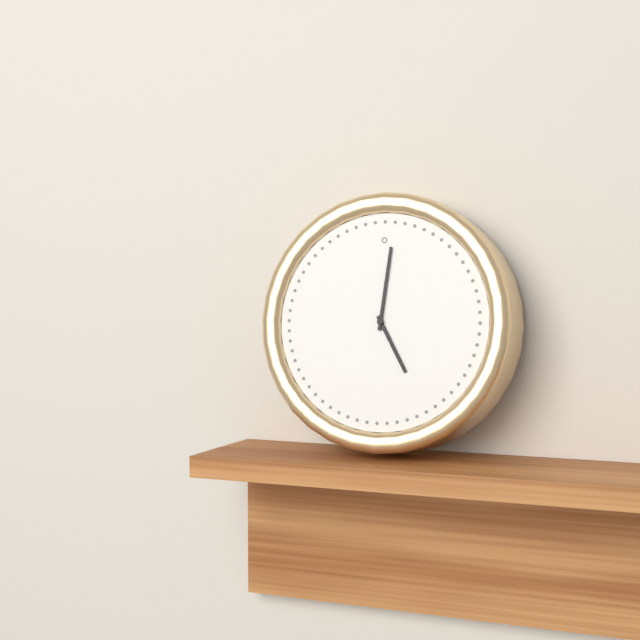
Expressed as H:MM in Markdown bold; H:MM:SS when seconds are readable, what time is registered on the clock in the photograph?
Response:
**5:01**
